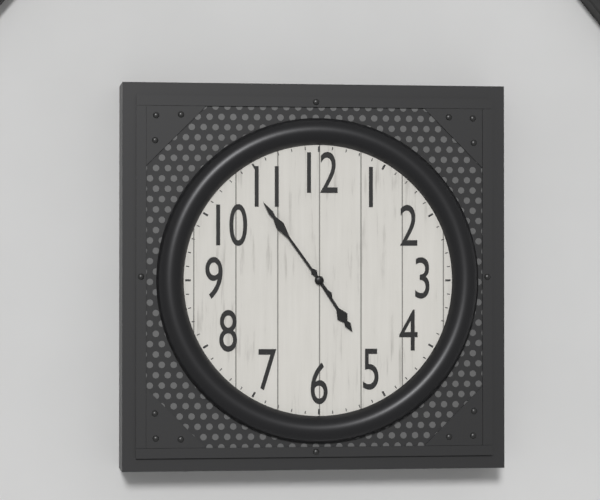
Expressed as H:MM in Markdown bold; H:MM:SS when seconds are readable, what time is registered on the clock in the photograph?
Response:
**4:54**
